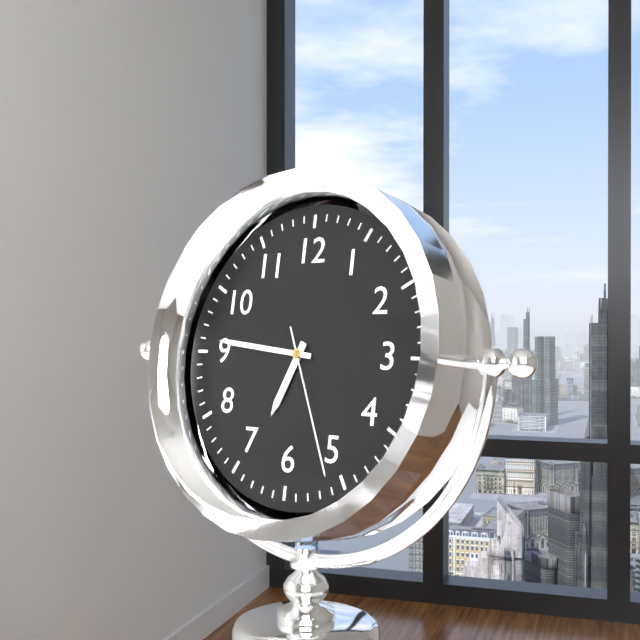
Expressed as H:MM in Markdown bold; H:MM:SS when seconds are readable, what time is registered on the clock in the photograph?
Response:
**6:46:26**
